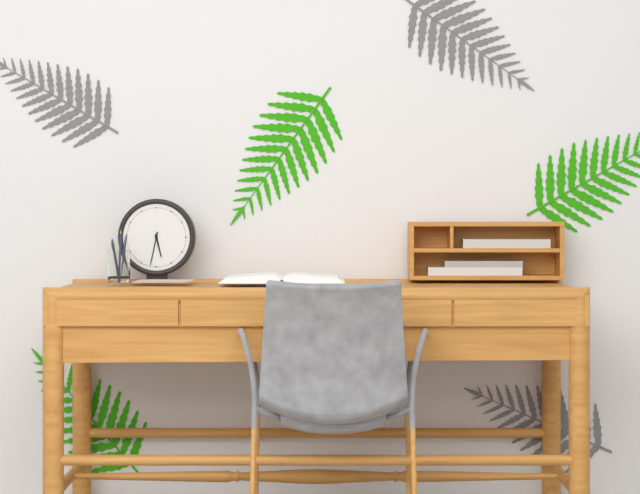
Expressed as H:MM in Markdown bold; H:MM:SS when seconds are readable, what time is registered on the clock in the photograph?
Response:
**5:32**
